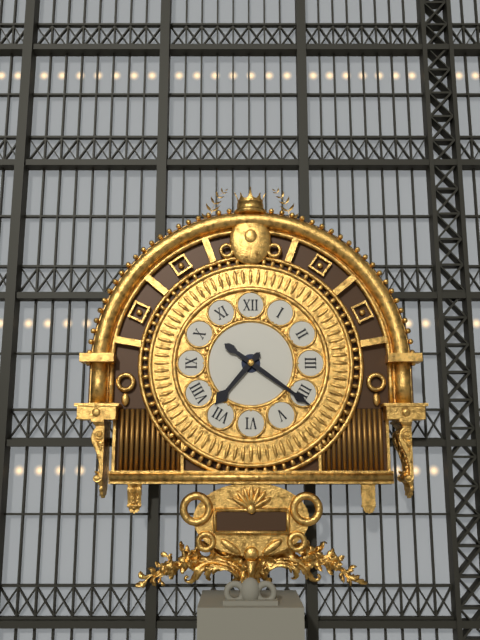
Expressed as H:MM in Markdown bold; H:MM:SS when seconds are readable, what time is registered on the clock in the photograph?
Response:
**7:21**
